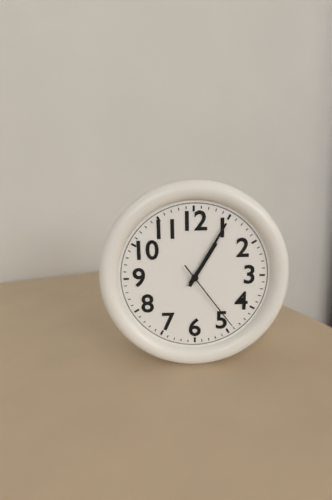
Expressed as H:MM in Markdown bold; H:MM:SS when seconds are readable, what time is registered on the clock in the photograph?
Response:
**1:05:24**
